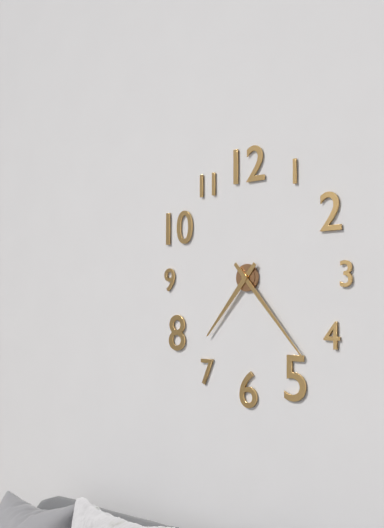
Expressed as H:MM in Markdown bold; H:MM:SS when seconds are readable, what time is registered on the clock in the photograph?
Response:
**7:23**
